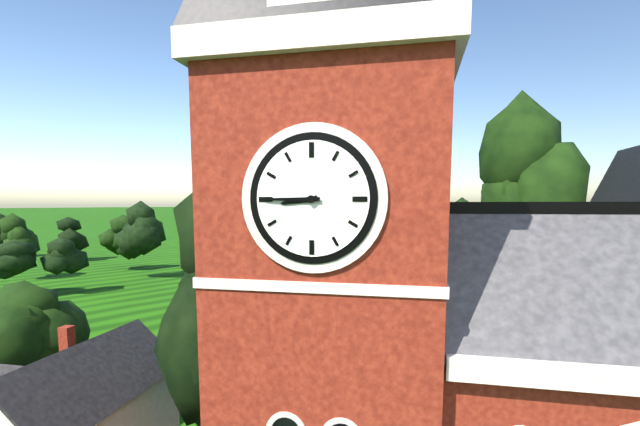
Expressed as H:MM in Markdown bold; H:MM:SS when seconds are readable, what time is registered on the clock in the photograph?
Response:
**8:45**
